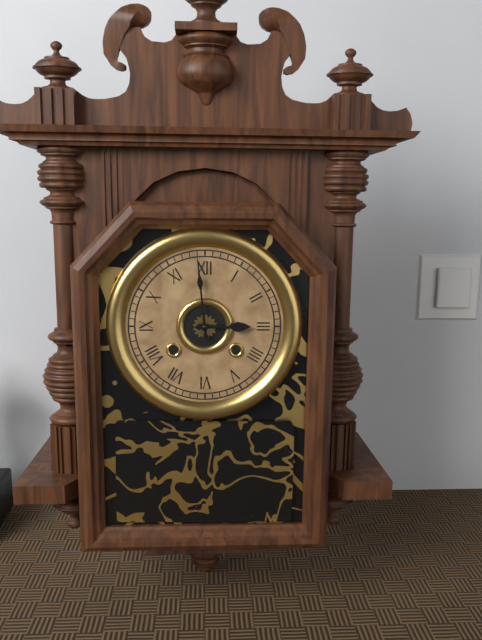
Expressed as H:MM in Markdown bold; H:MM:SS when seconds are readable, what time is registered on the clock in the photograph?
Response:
**2:59**
